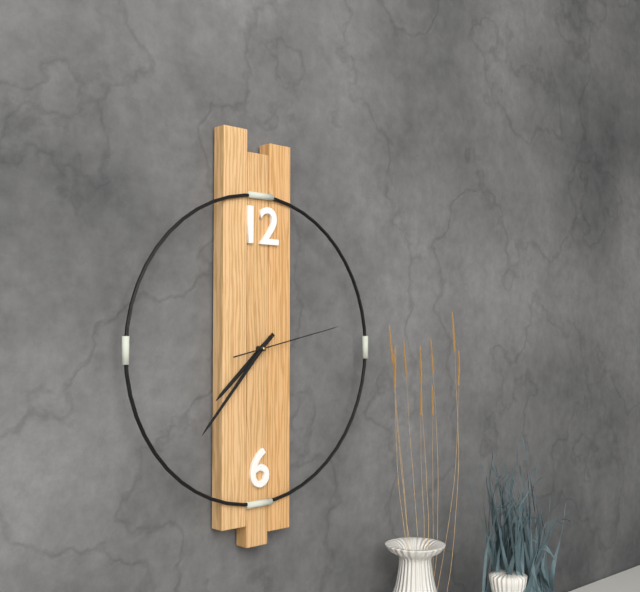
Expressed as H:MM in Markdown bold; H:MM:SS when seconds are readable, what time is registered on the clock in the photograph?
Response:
**7:37:13**
